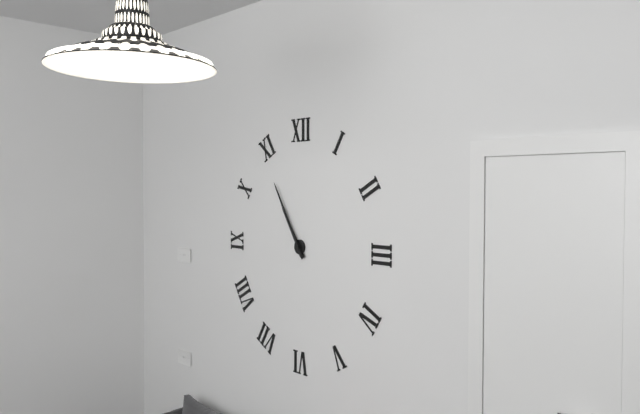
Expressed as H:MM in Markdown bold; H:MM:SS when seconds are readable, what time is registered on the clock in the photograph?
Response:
**10:55**
